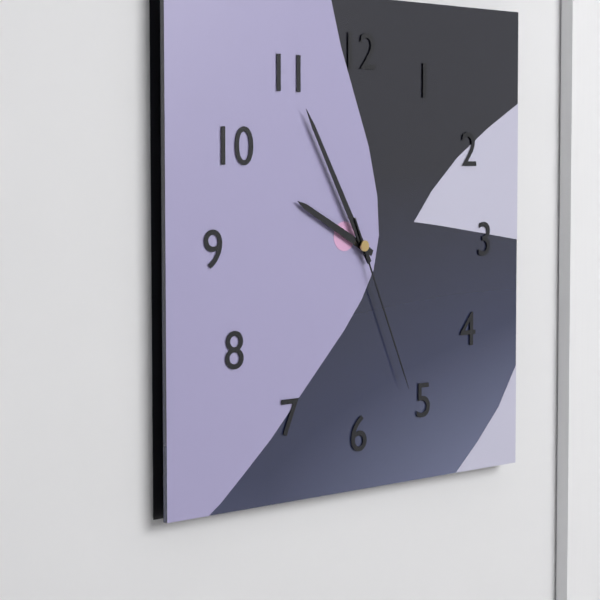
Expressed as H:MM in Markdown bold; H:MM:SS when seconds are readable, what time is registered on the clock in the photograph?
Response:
**9:55:26**
